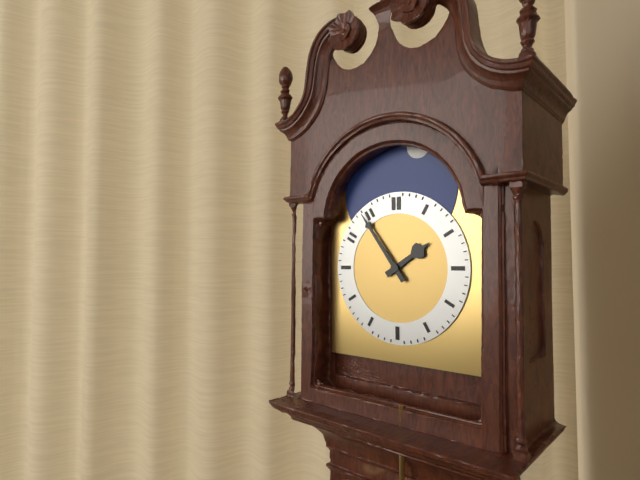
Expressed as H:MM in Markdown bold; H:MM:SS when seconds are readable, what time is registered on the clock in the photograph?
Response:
**1:54**
